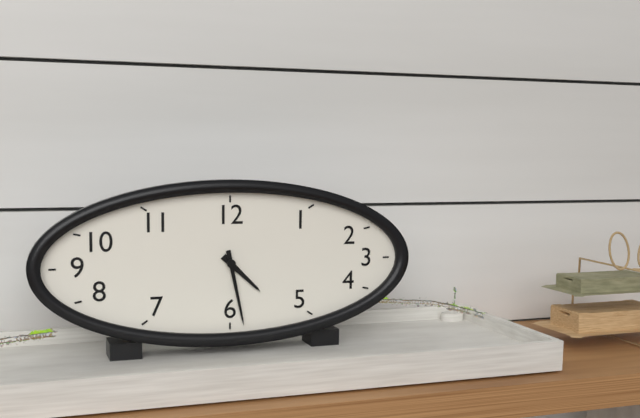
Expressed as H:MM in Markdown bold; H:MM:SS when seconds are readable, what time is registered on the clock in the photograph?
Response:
**4:28**
